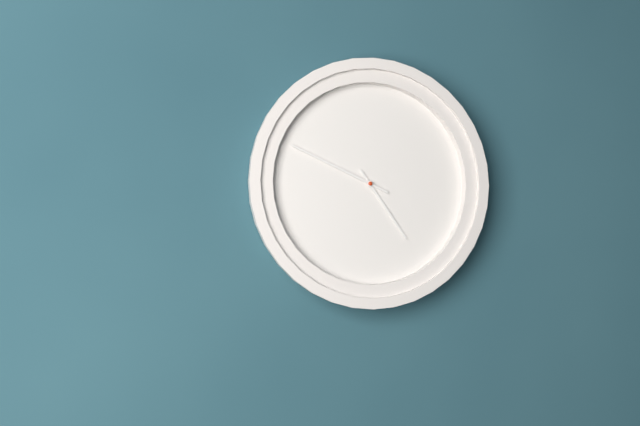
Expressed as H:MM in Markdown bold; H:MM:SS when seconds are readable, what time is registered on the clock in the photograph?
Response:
**4:49**
